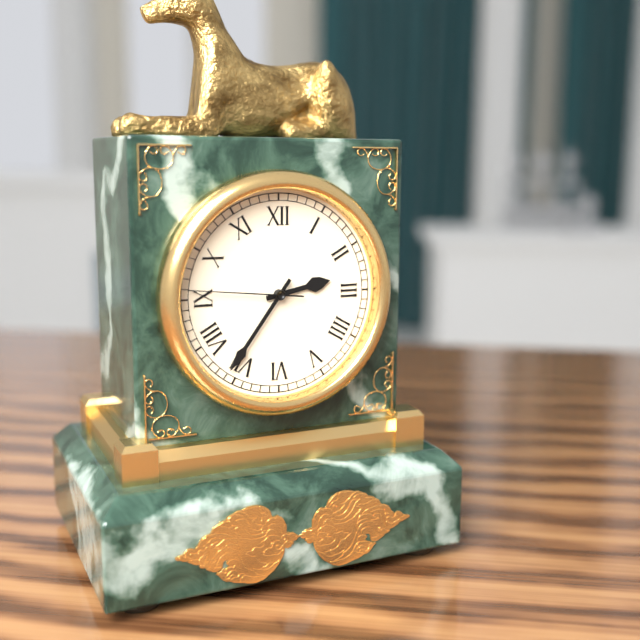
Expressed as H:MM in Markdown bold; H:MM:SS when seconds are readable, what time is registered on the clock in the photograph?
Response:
**2:36:46**
